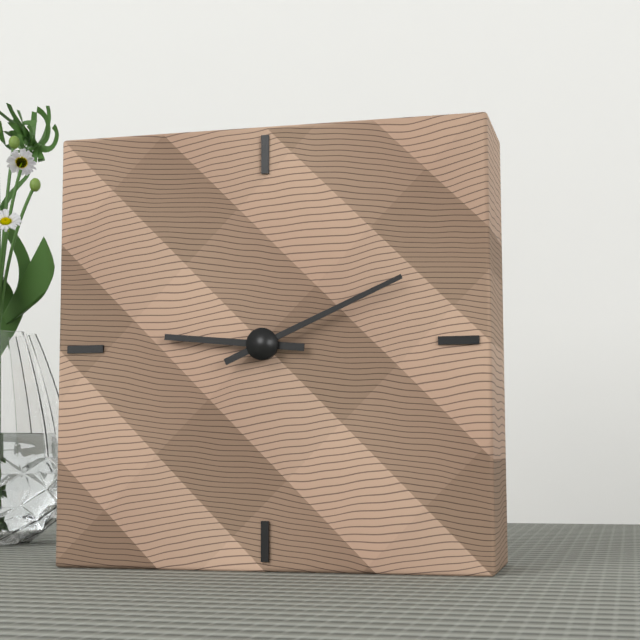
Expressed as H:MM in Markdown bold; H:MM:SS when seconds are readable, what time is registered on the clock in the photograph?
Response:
**9:11**
